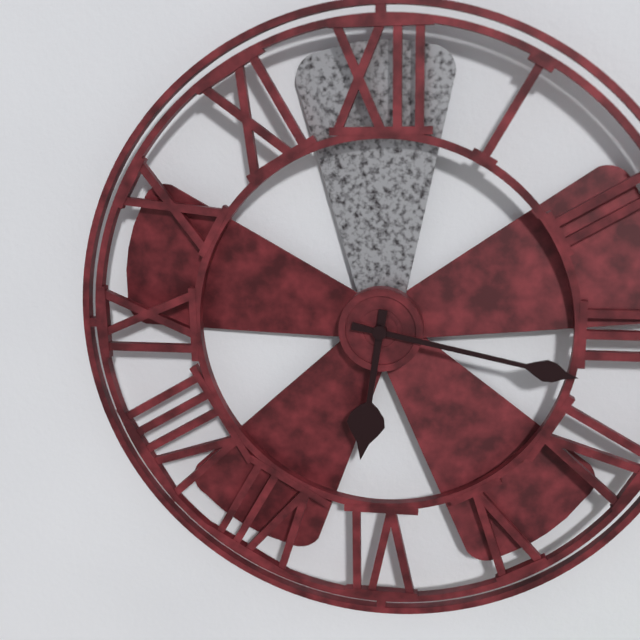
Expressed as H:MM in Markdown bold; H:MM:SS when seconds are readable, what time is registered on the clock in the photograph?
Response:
**6:17**
